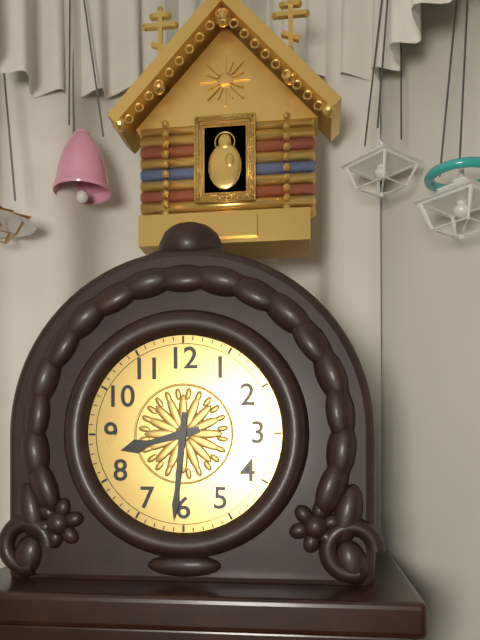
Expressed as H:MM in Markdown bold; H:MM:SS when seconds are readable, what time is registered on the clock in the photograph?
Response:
**8:31**
